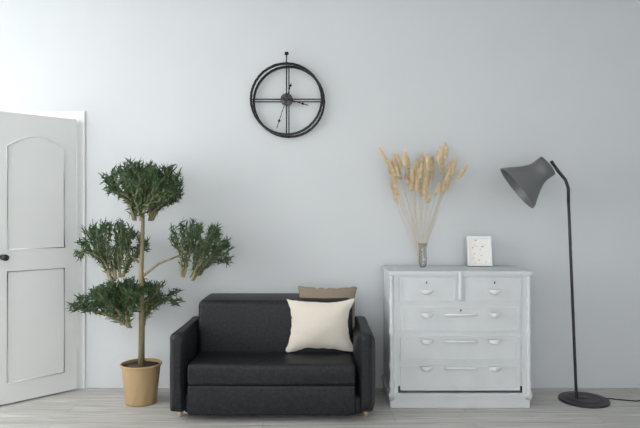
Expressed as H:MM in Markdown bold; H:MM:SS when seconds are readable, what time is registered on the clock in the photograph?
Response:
**3:33**
